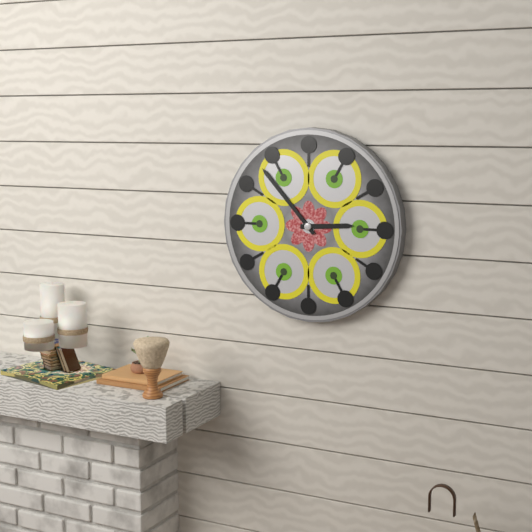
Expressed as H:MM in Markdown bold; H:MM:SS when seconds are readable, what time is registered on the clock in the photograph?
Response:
**2:53**
